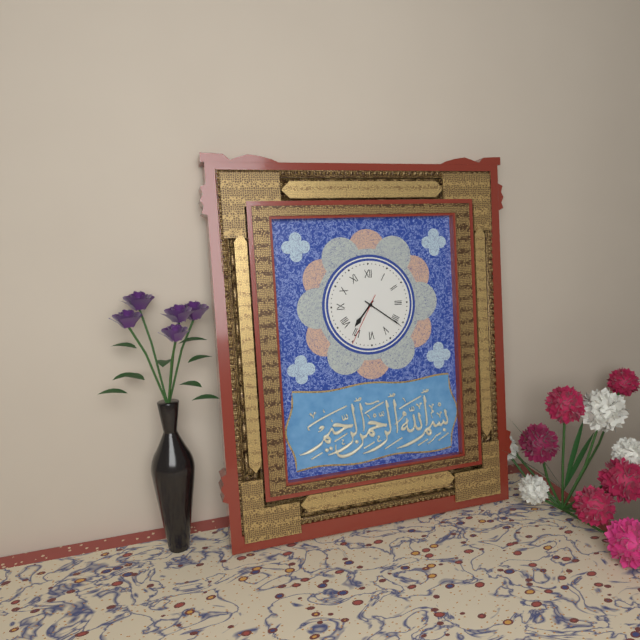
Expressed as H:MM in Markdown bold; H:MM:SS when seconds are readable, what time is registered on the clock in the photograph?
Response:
**7:21:35**
